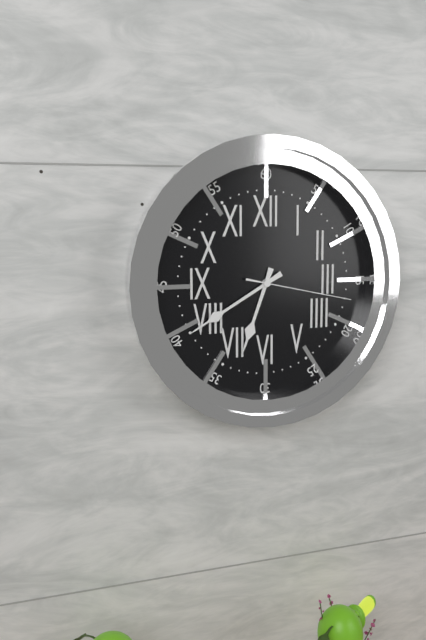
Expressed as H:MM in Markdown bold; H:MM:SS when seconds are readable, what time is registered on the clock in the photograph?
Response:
**6:40:17**
